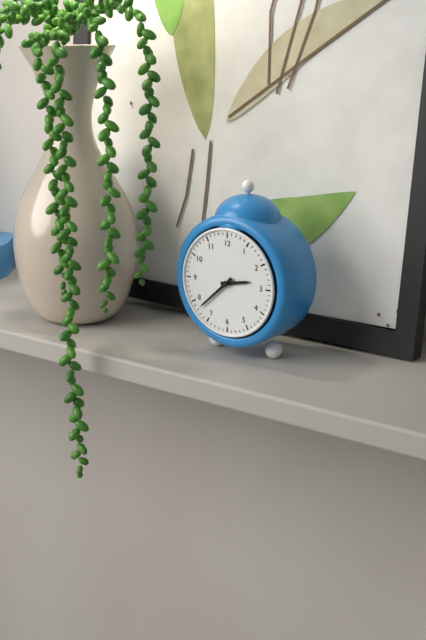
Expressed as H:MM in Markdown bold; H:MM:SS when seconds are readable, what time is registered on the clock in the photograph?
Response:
**2:38**
